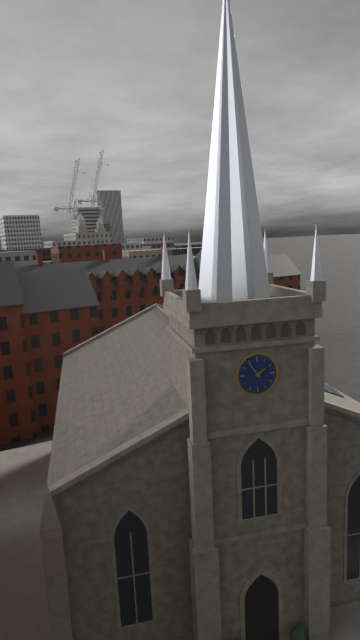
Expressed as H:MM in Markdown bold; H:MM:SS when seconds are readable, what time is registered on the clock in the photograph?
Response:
**1:54**
